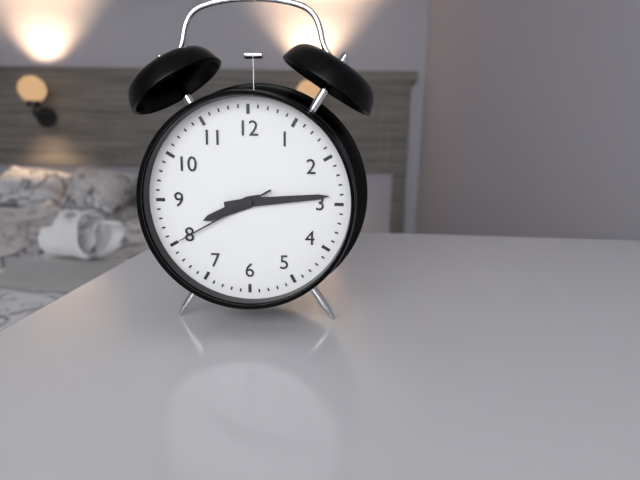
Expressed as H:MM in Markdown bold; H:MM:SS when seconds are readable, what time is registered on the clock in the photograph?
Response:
**8:14:40**
